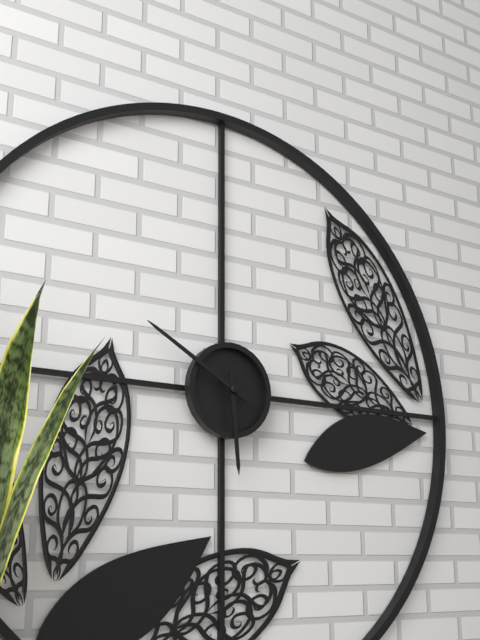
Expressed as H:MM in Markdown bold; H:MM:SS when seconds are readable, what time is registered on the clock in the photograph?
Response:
**5:50**
